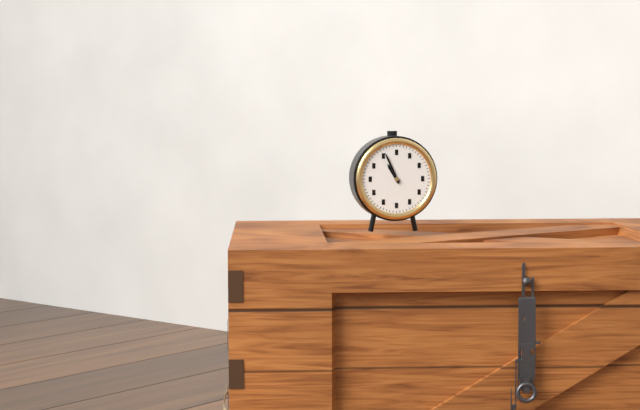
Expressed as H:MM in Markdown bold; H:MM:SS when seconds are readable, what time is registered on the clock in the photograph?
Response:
**10:56**
